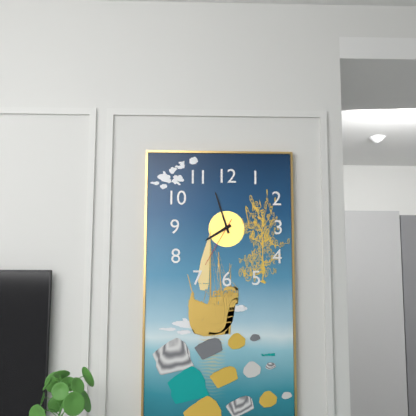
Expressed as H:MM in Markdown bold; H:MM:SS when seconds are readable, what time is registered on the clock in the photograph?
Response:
**7:57:35**
